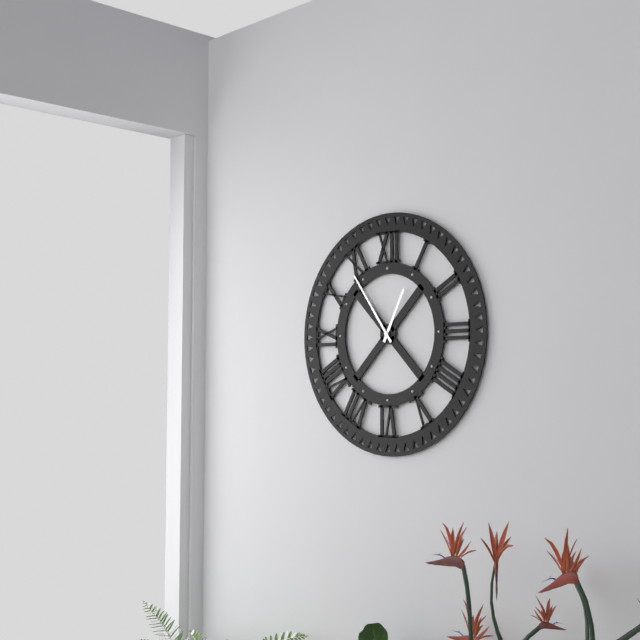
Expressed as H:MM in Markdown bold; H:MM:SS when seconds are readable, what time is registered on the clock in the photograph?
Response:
**12:54**
